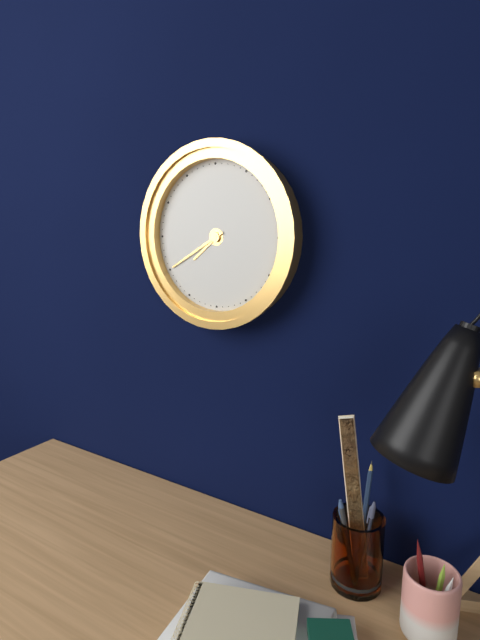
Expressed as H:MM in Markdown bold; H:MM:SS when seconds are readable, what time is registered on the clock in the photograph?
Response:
**7:40**
